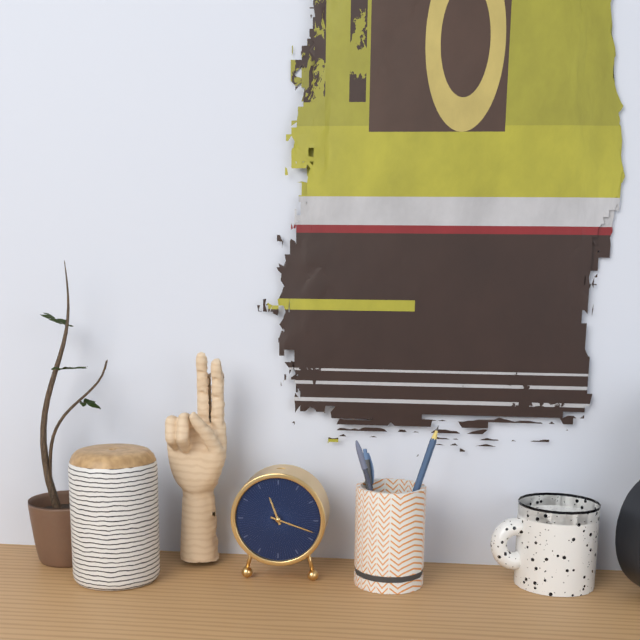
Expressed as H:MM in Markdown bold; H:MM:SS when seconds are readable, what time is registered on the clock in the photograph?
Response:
**11:18**
